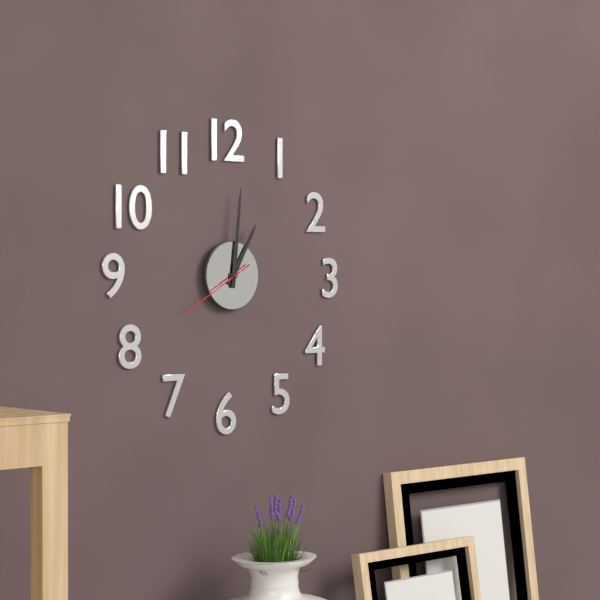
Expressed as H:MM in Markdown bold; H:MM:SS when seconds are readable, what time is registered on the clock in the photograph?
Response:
**1:01:40**
